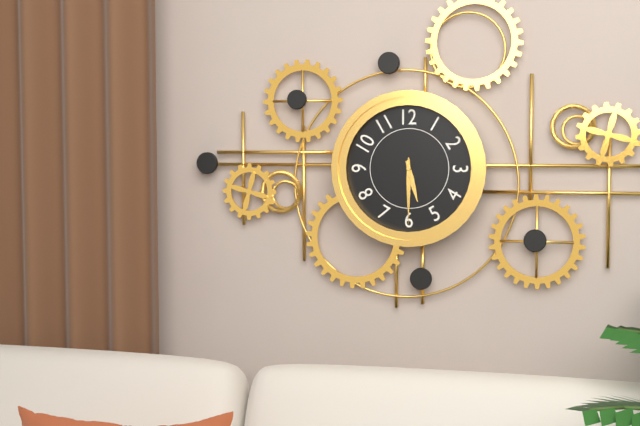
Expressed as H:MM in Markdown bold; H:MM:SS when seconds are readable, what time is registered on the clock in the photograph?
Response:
**5:30:30**
